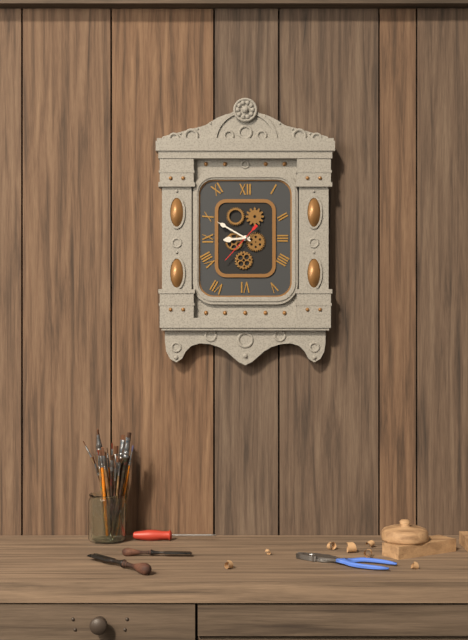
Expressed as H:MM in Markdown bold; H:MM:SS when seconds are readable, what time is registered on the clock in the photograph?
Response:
**8:50**
